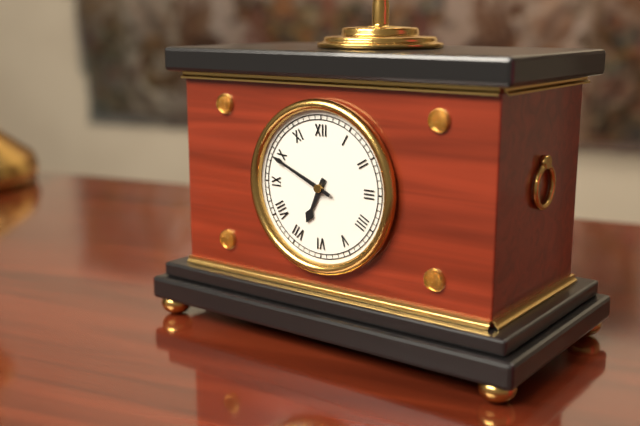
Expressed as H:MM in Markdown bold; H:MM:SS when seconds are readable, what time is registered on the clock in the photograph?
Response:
**6:49**
